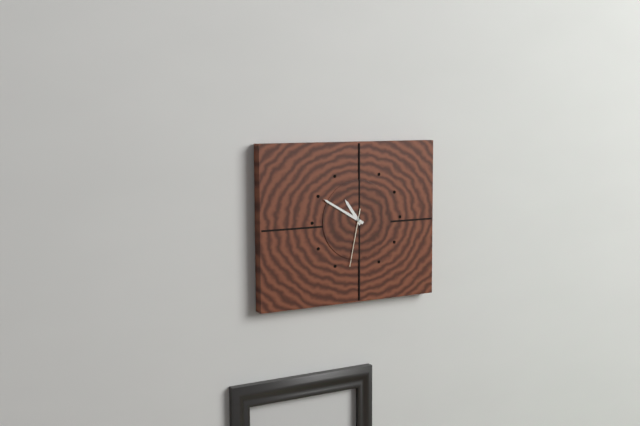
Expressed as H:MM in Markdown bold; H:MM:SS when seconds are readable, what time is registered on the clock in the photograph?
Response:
**10:50:32**
